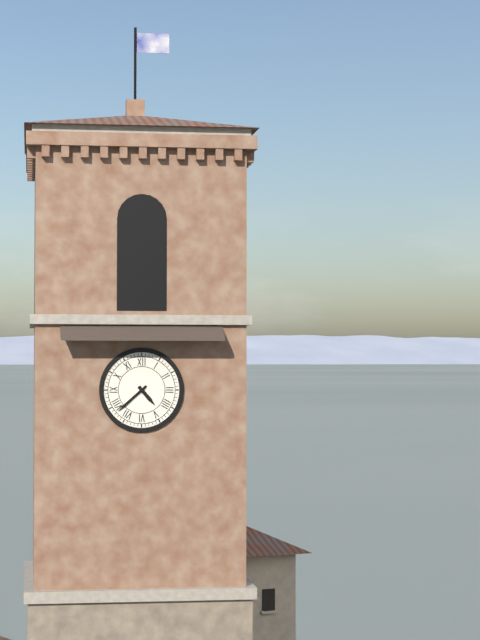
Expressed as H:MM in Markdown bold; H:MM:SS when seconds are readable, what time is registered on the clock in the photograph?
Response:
**4:38**
